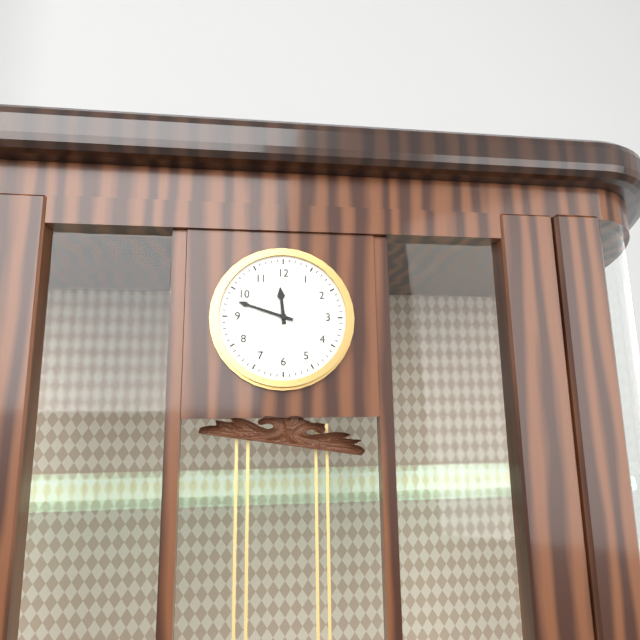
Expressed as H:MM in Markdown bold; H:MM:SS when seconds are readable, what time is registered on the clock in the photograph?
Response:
**11:48**
